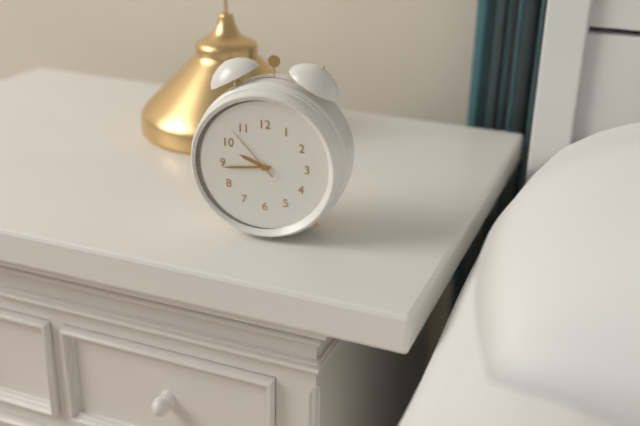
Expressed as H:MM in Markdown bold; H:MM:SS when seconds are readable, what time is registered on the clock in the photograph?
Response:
**9:44:53**
